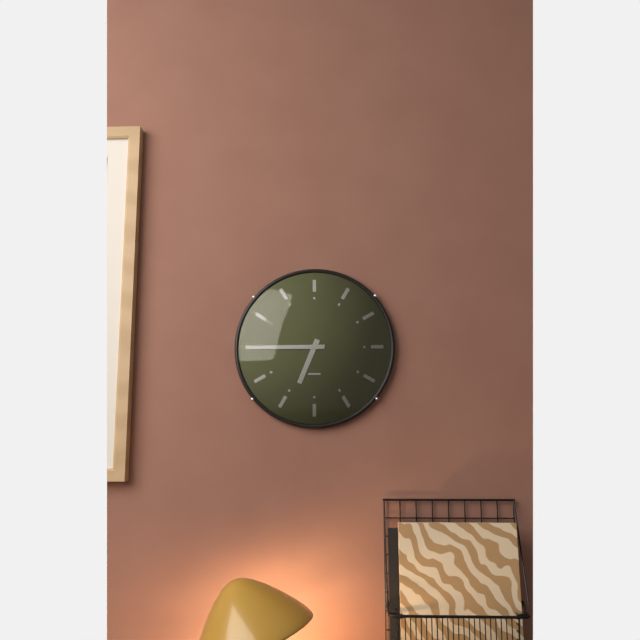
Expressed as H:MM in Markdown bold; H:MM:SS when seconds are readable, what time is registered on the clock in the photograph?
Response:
**6:45**
